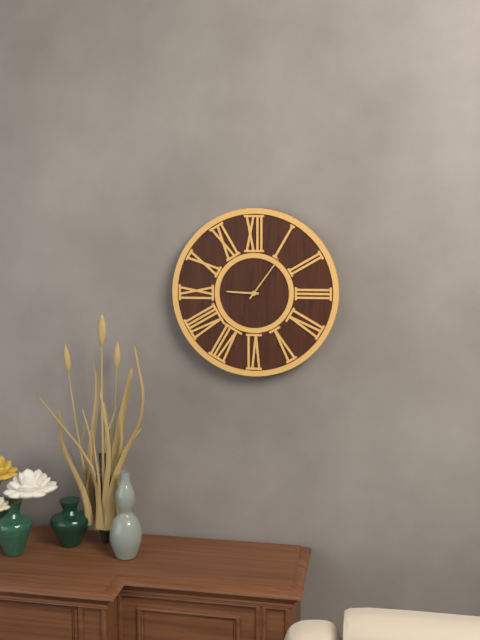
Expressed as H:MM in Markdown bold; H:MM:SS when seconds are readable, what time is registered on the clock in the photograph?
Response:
**9:06**
